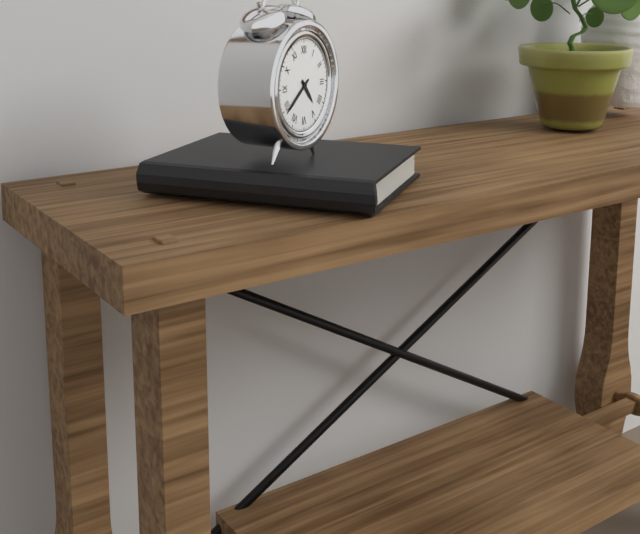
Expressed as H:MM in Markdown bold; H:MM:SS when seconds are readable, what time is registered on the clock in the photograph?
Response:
**4:39**
